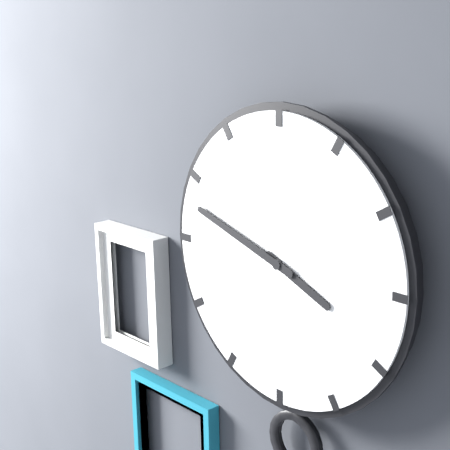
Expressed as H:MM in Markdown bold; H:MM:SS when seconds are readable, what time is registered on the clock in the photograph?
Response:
**3:48**
